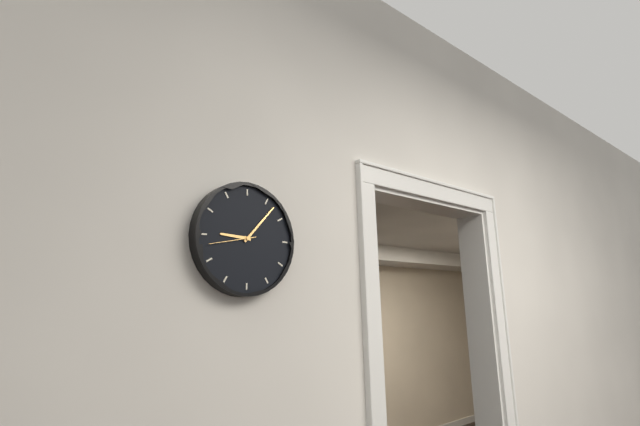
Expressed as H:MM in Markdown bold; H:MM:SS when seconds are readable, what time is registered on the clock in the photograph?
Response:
**9:07**
